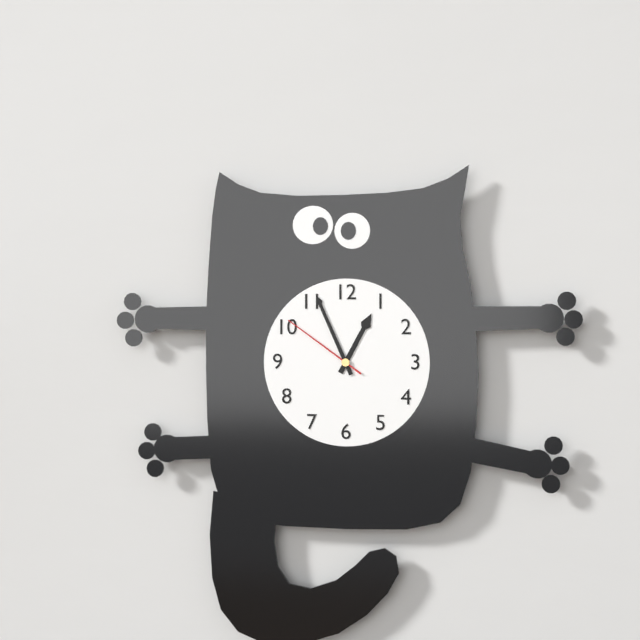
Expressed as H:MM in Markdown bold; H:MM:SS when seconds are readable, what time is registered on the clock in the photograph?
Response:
**12:56:51**
